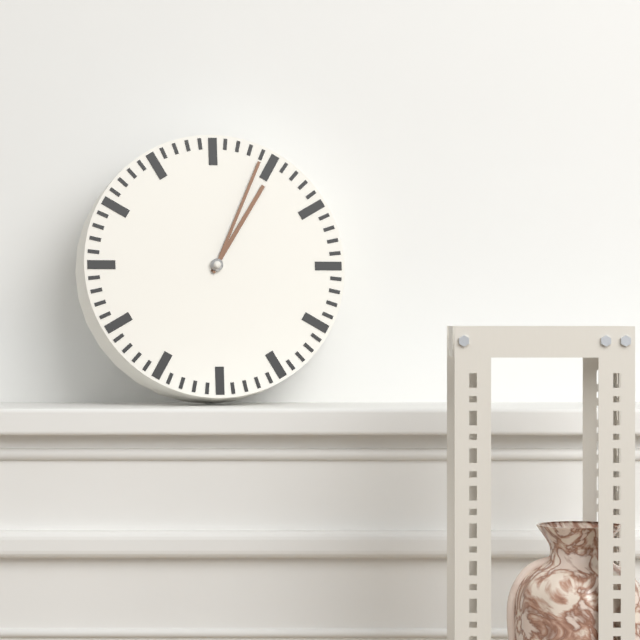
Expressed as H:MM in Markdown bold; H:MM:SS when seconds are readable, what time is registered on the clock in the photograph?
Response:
**1:04**
